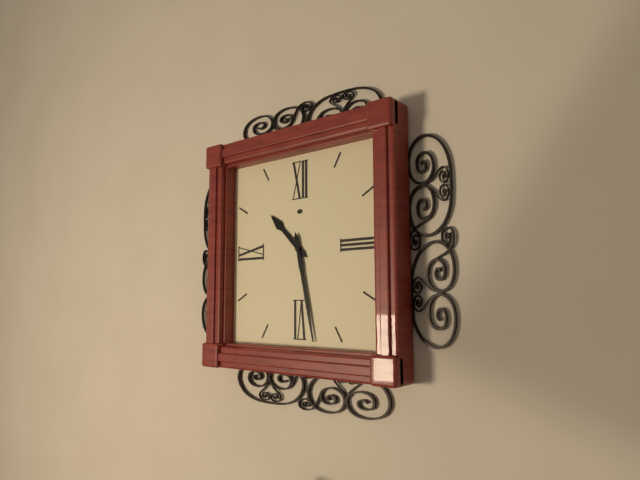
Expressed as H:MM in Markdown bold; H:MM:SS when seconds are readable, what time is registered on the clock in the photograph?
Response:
**10:28**
